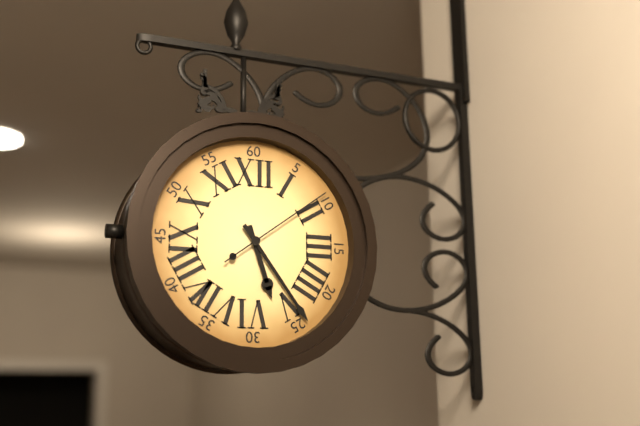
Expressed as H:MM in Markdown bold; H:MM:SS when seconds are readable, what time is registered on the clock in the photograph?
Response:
**5:24:09**
